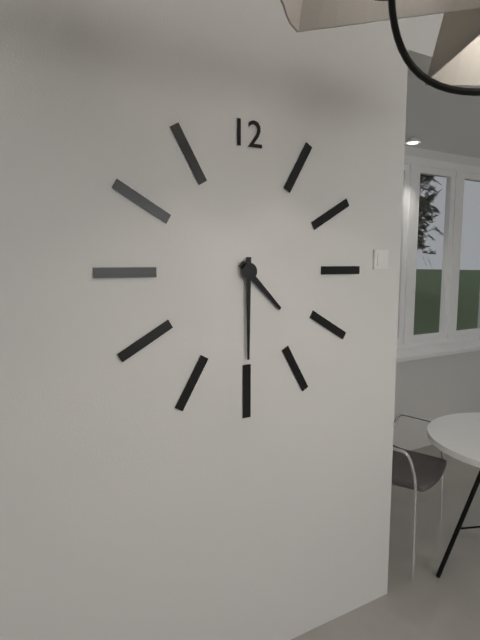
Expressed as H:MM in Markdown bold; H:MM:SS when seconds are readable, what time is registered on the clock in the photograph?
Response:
**4:30**
